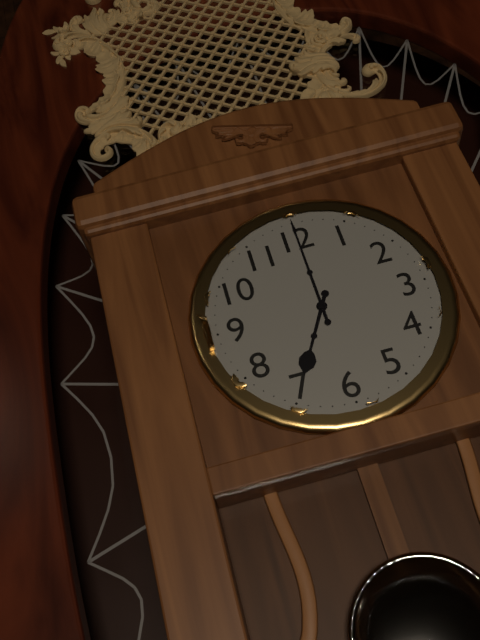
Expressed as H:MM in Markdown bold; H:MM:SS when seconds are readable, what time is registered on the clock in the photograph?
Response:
**7:00**
